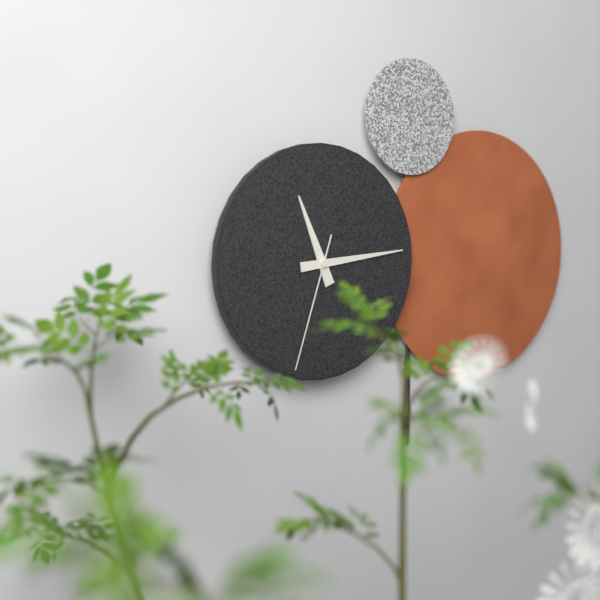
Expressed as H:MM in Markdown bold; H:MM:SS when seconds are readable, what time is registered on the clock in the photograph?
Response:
**11:14:33**
